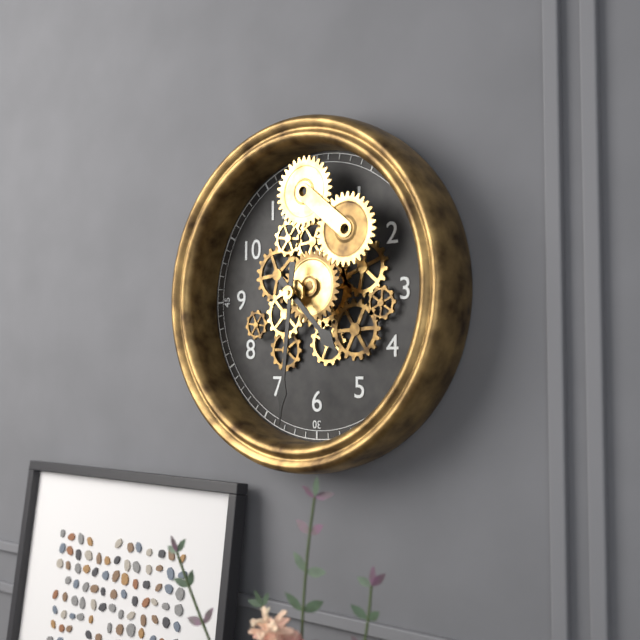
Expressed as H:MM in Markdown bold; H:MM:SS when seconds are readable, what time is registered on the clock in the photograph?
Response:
**4:31**
